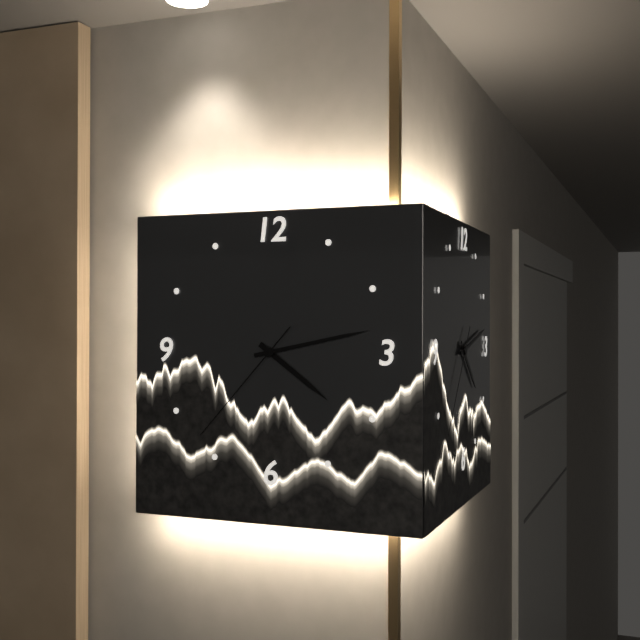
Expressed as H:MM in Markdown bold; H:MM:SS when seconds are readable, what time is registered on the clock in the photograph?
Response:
**4:13:37**
